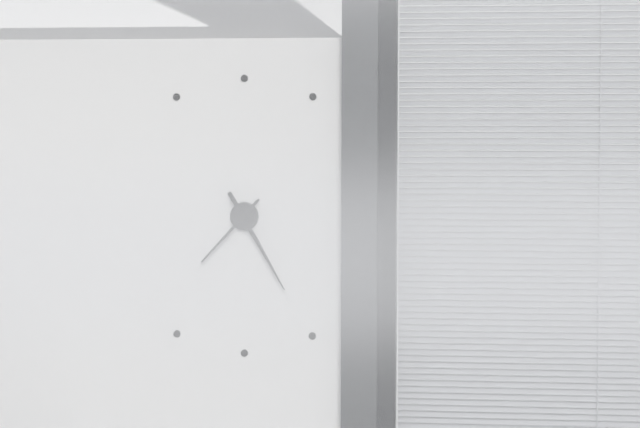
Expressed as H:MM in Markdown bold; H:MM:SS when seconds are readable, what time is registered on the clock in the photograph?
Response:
**7:25**
